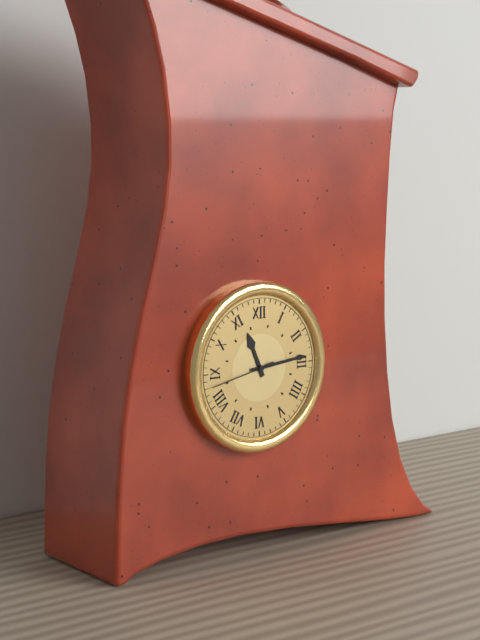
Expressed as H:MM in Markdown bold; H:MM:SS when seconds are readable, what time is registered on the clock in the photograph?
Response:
**11:14:43**
